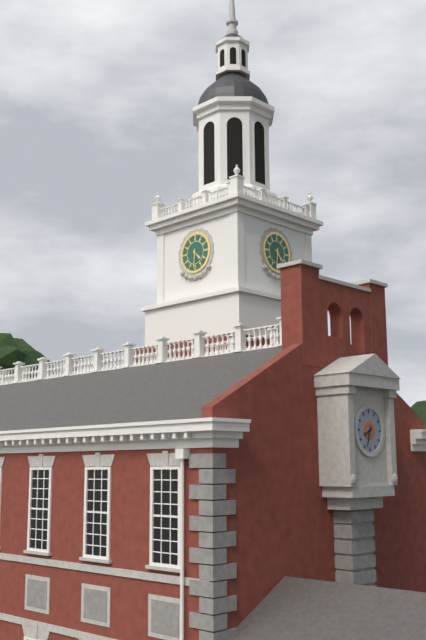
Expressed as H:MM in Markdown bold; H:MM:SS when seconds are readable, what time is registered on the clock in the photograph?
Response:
**4:31**
